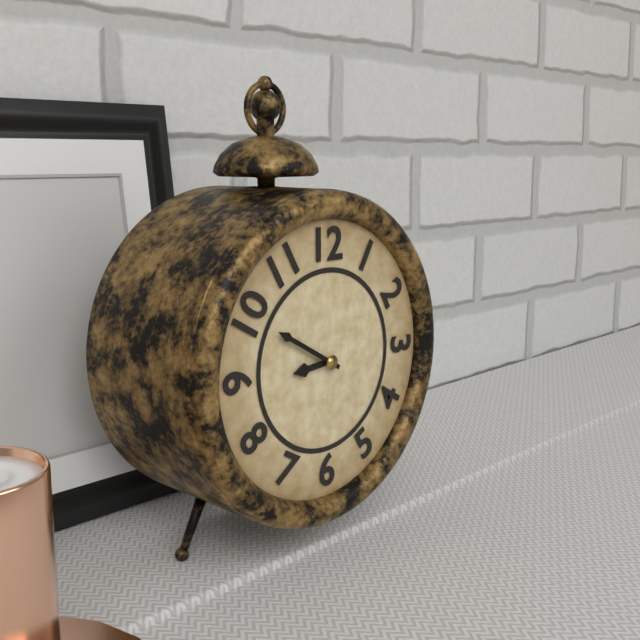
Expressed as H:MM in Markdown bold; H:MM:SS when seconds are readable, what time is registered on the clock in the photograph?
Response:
**8:50**
